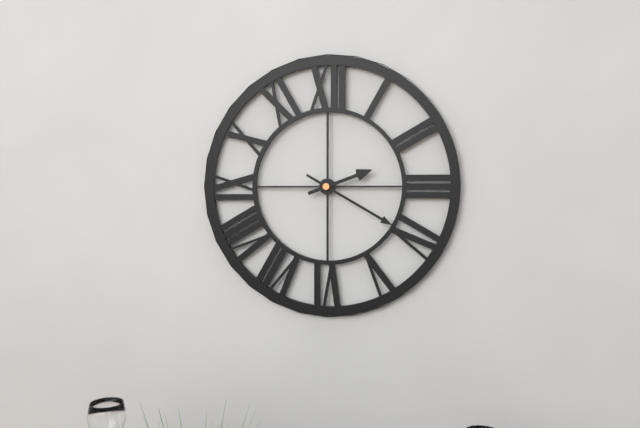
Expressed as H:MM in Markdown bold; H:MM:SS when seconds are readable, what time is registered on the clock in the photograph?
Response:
**2:20**
